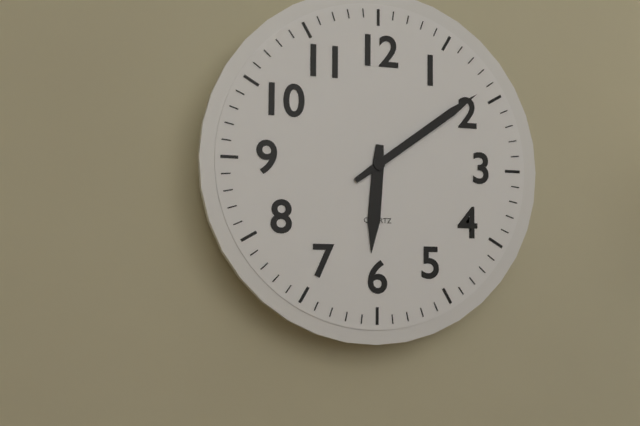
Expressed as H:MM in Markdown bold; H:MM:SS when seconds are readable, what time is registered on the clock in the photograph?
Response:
**6:09**
